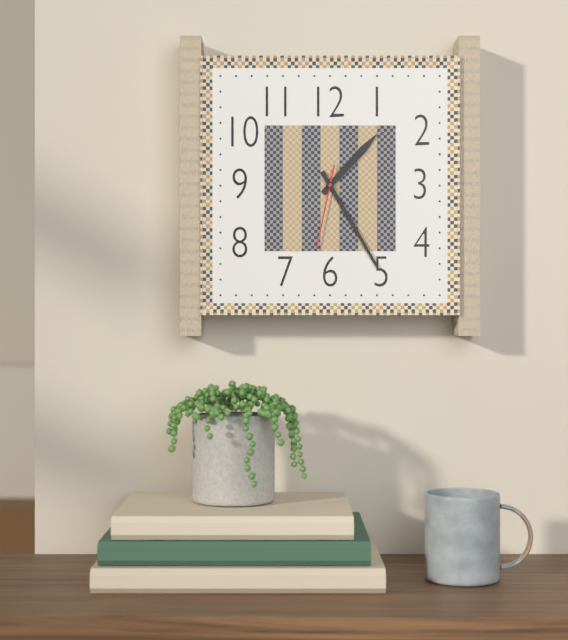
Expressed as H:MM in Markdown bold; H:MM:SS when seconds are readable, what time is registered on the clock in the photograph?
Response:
**1:25:32**
